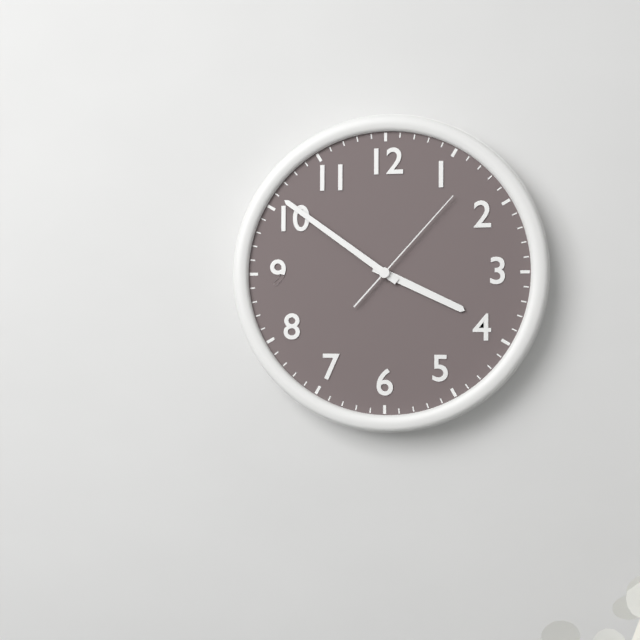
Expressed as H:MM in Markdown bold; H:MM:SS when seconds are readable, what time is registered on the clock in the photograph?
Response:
**3:51:07**
